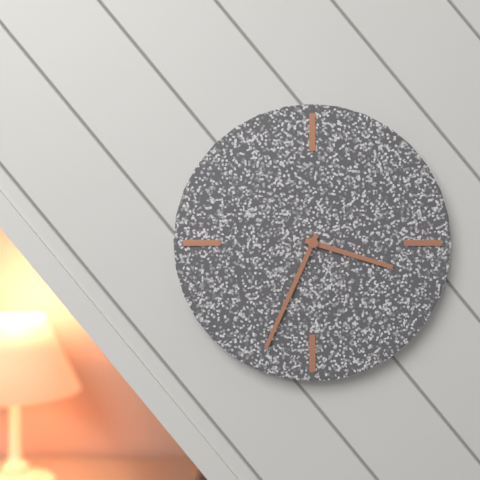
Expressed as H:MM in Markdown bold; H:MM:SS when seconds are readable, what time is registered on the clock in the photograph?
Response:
**3:34**
